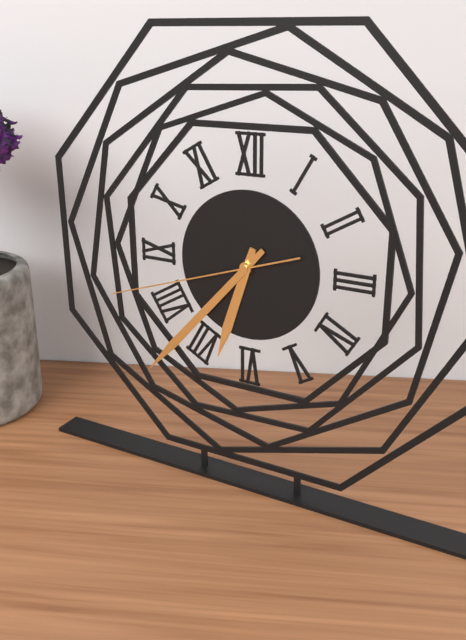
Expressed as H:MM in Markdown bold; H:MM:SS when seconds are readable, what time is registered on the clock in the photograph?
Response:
**6:37:42**
